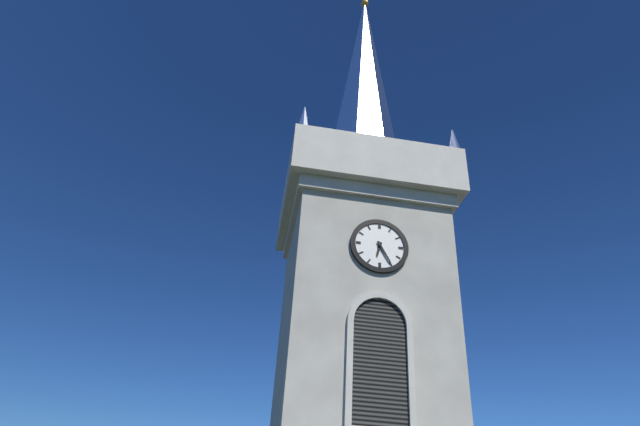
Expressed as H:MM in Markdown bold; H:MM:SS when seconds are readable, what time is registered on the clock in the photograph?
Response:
**6:25**
